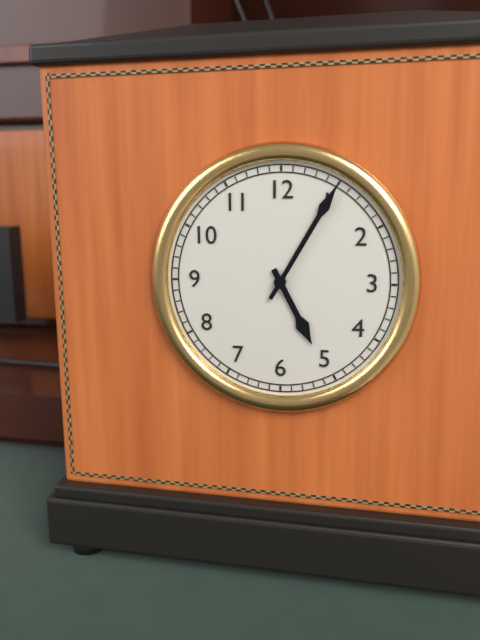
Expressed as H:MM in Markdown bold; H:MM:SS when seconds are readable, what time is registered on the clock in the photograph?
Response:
**5:05**
